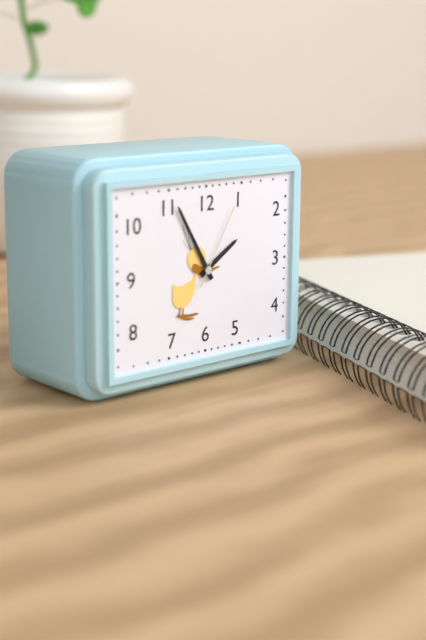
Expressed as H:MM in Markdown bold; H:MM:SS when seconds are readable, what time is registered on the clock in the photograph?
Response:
**1:55:05**
